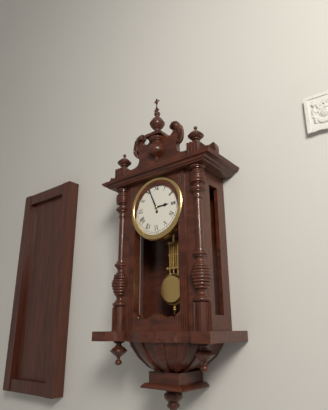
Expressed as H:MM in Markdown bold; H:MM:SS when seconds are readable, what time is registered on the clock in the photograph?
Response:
**2:56**
